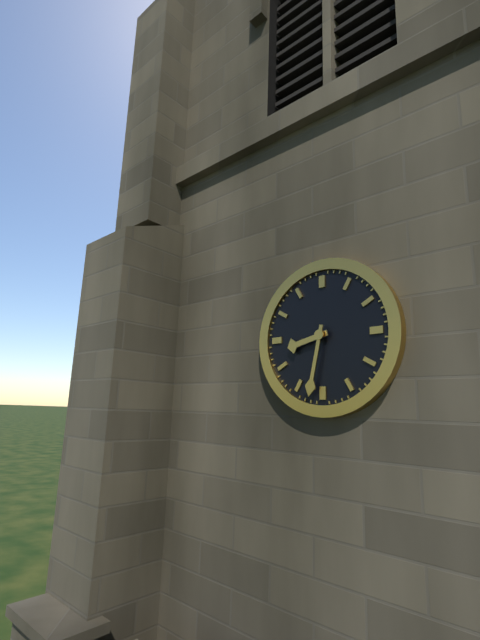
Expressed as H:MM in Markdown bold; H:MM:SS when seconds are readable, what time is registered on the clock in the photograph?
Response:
**8:32**
